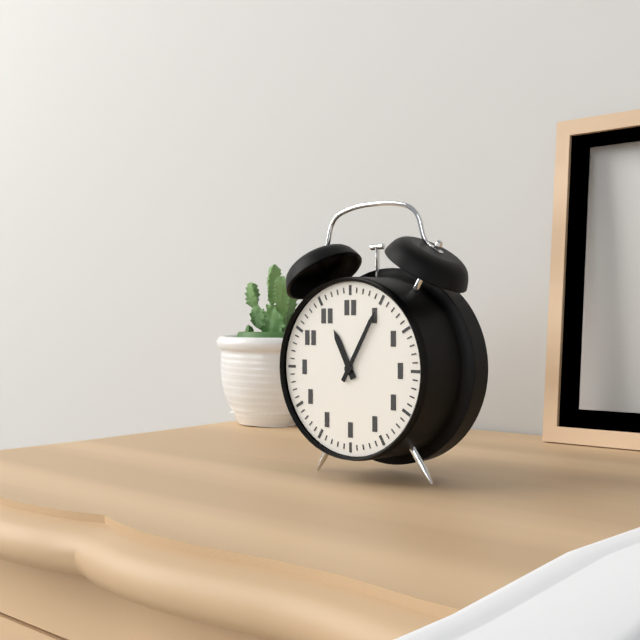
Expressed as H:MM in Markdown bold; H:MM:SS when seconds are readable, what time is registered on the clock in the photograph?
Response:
**11:05**
